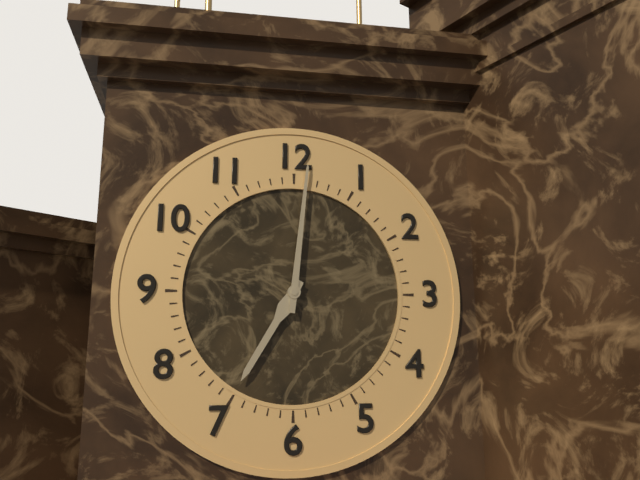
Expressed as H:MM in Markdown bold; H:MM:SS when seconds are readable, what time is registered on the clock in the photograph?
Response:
**7:01**
